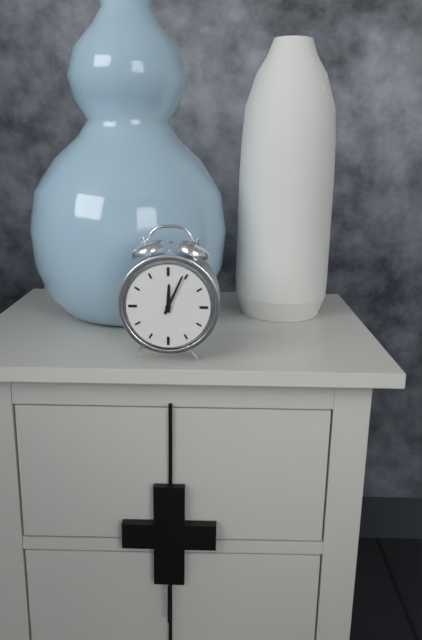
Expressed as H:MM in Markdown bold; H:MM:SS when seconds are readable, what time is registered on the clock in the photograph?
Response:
**12:04**
